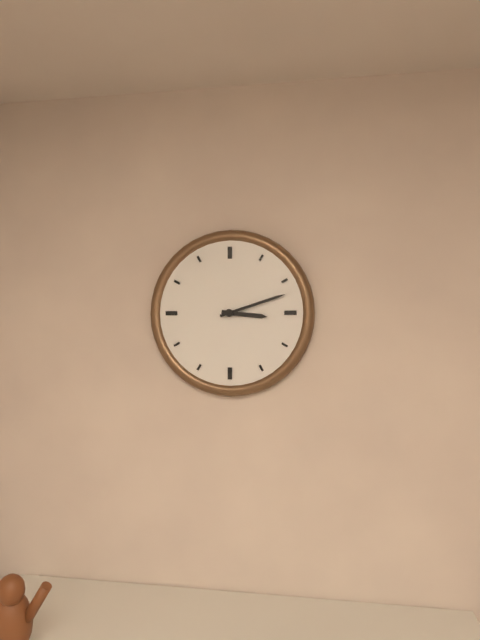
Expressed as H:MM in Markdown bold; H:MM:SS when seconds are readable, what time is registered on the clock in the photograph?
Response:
**3:12**
